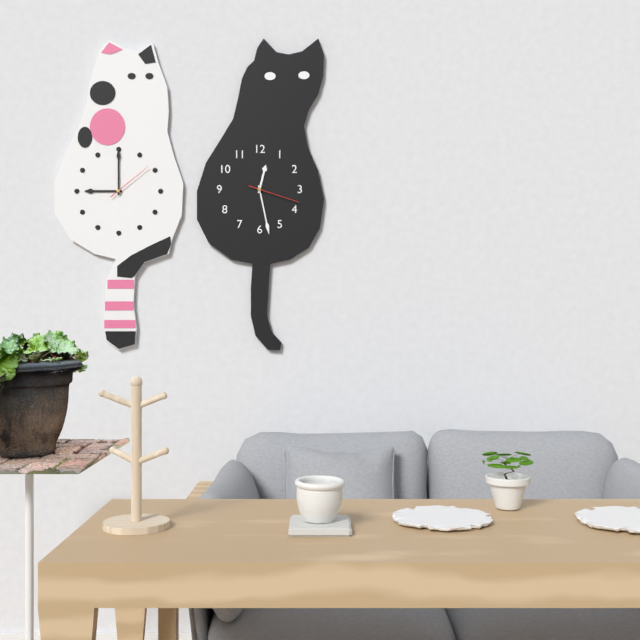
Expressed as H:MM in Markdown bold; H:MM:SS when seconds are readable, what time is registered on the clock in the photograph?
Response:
**12:28:18**
